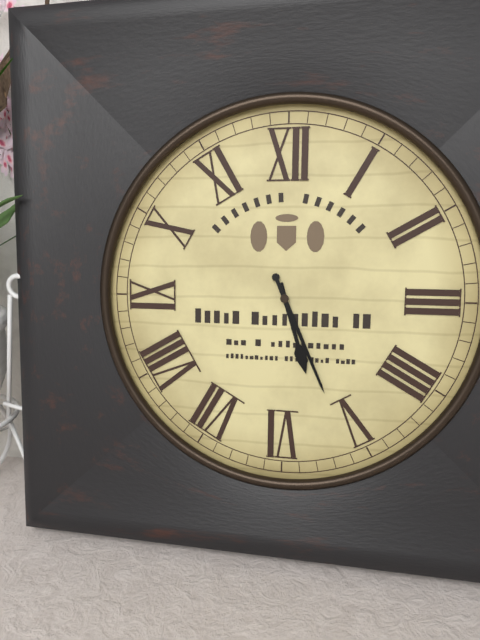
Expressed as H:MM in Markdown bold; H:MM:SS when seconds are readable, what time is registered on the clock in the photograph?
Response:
**5:26**
